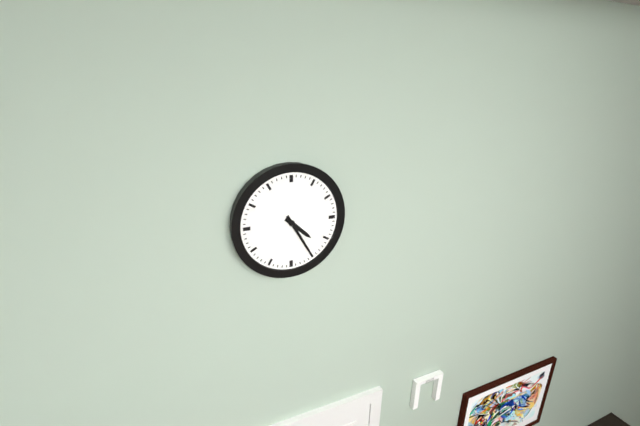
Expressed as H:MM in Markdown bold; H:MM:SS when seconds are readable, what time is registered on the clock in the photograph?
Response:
**4:25**
